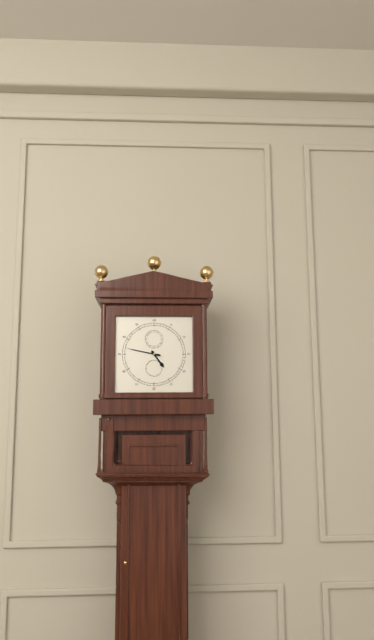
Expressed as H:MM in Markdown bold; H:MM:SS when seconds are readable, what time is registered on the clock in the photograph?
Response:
**4:47**
